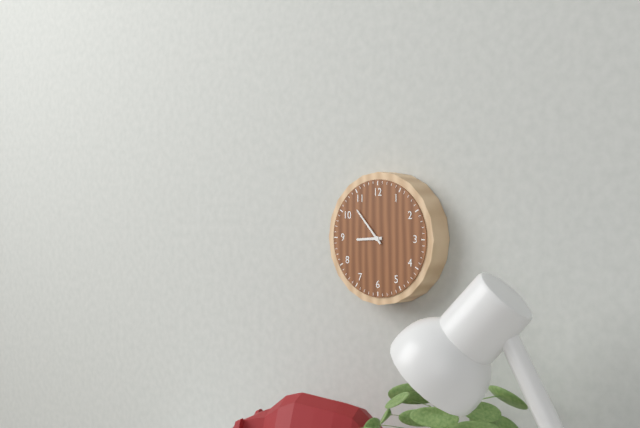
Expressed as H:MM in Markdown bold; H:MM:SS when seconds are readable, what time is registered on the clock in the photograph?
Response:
**8:53**
